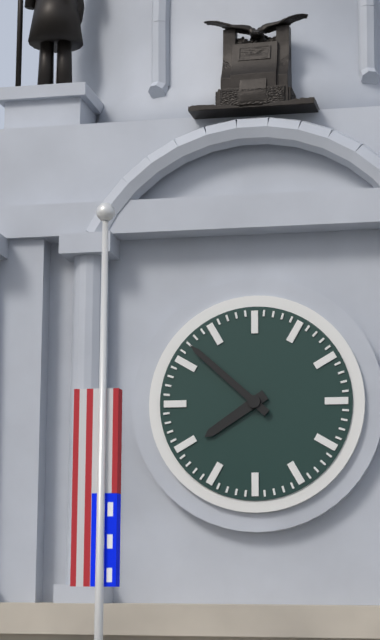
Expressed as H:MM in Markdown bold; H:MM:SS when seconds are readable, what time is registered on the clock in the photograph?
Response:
**7:52**
